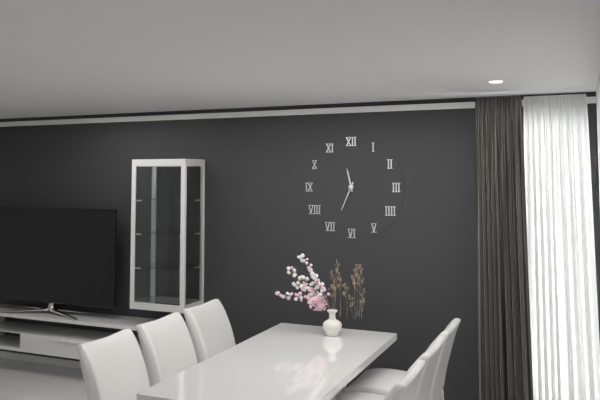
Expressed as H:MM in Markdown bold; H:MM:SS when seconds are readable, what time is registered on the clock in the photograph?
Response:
**11:34**
